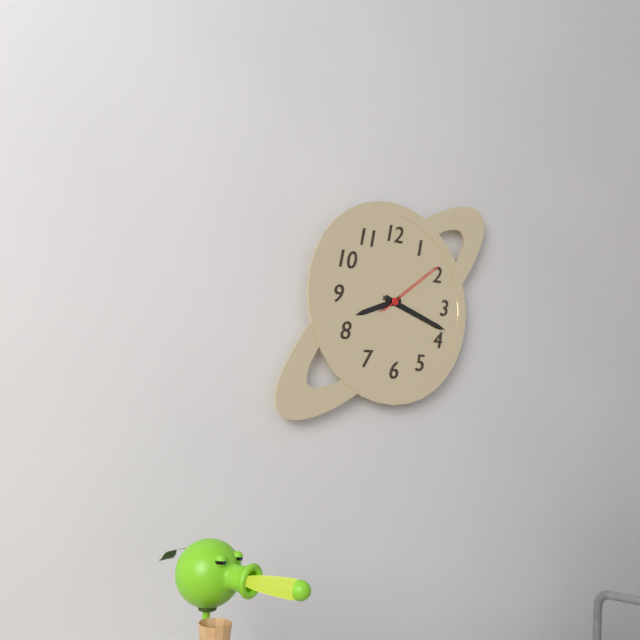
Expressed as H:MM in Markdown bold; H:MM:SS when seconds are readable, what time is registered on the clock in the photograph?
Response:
**8:18:09**
